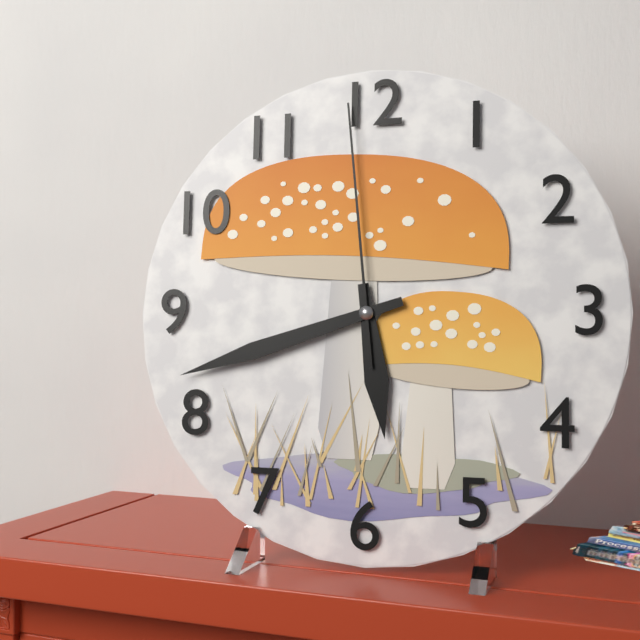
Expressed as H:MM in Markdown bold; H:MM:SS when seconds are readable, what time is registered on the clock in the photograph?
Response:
**5:42:59**
